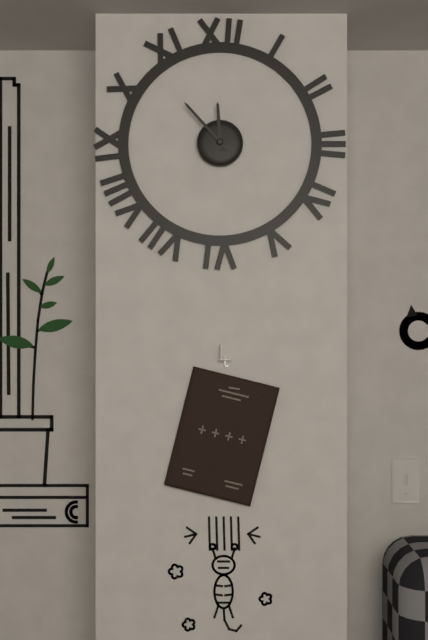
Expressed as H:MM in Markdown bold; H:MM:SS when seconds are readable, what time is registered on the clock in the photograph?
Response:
**11:53**
